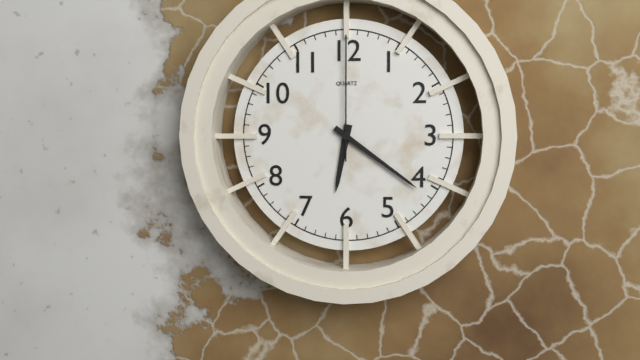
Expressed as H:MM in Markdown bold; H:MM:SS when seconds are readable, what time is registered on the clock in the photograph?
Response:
**6:21:00**
